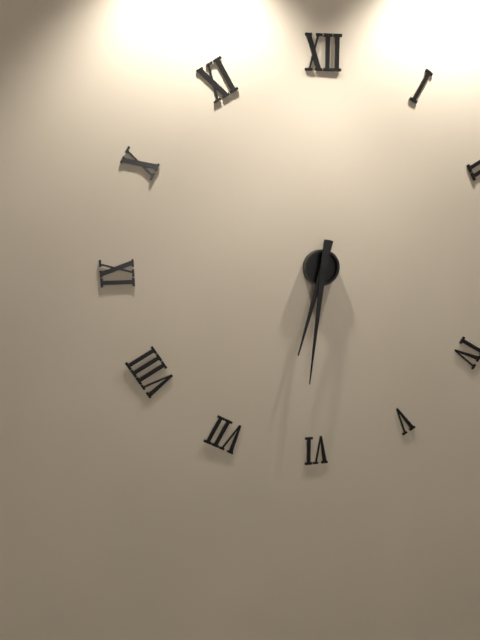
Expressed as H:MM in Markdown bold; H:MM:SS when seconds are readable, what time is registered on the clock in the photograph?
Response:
**6:31**
